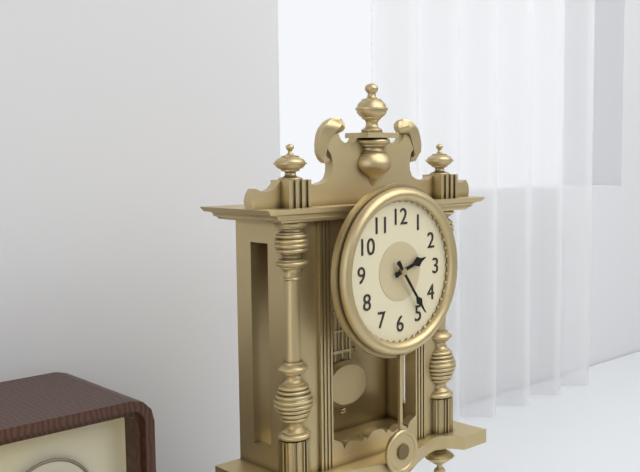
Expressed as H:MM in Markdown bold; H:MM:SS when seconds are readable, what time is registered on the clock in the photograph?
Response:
**2:24**
